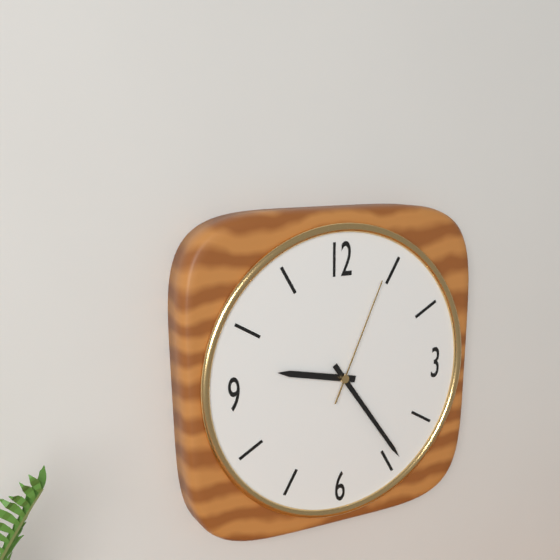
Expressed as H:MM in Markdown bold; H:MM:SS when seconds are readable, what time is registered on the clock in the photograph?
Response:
**9:24:04**
